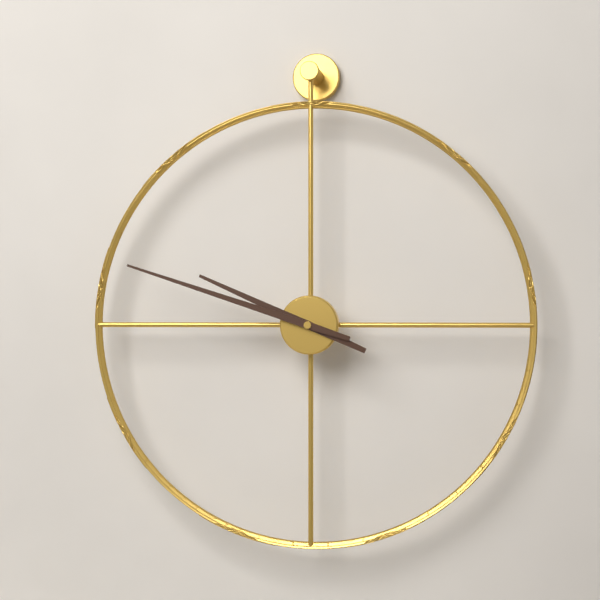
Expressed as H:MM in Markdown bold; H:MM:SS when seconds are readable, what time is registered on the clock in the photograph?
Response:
**9:48**
